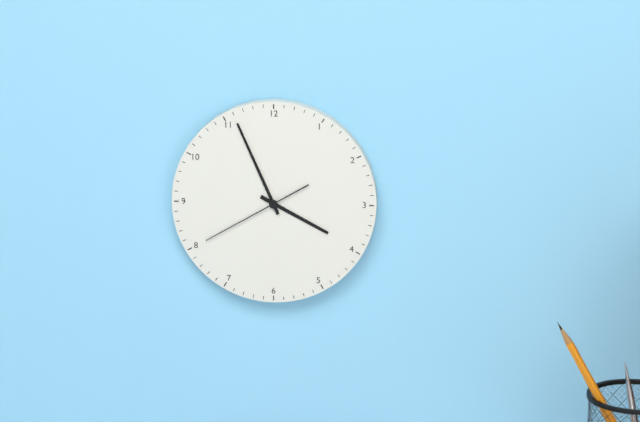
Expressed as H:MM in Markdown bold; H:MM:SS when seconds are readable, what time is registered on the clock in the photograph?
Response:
**3:56:40**
